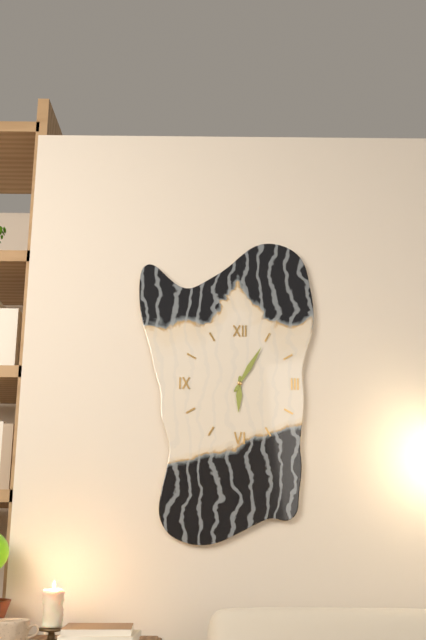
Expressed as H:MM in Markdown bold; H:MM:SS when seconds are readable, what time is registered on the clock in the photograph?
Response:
**6:05**
